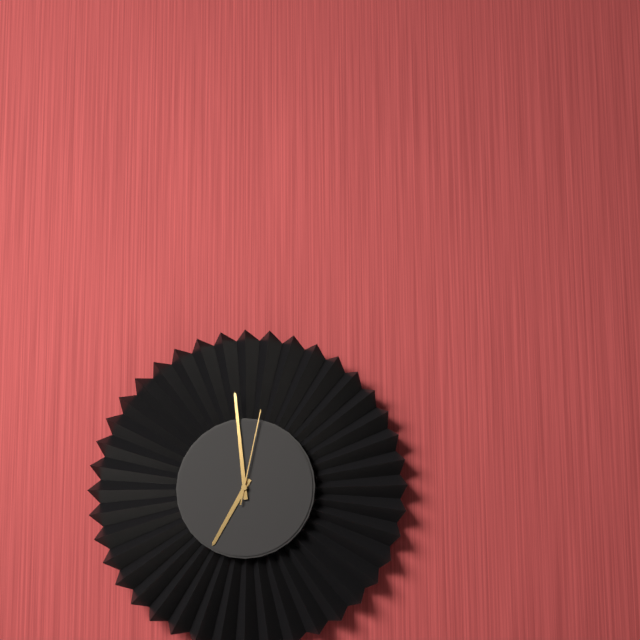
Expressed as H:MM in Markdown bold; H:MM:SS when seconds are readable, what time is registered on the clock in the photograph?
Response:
**6:59:02**
